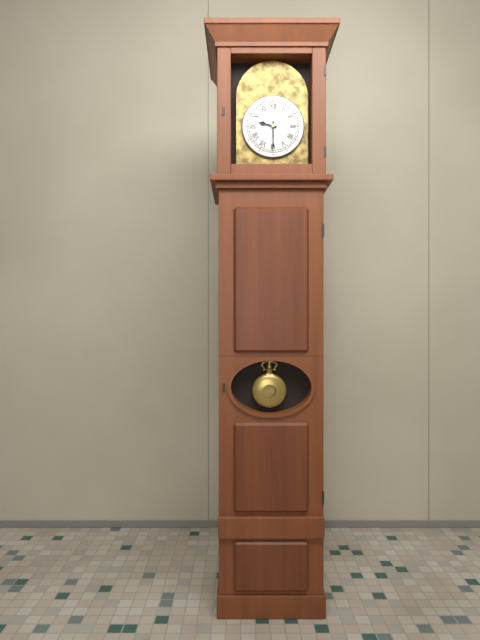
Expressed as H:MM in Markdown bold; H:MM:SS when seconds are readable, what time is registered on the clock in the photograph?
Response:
**9:30**
